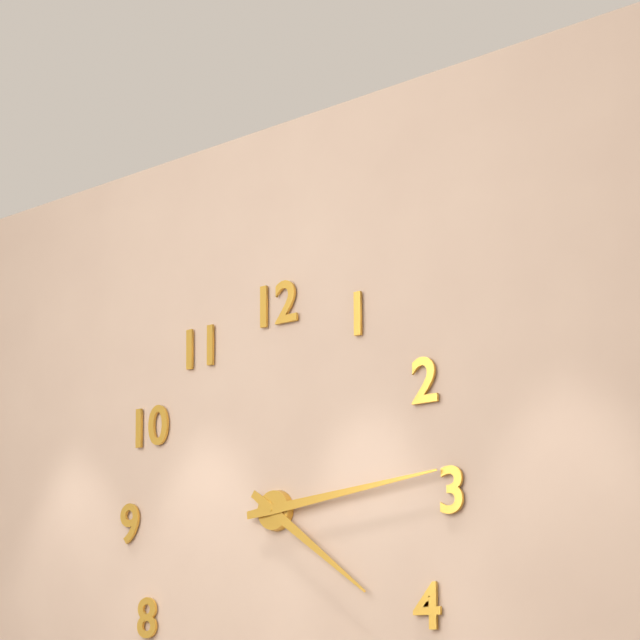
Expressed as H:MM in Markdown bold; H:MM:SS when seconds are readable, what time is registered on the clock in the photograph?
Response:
**4:14**
